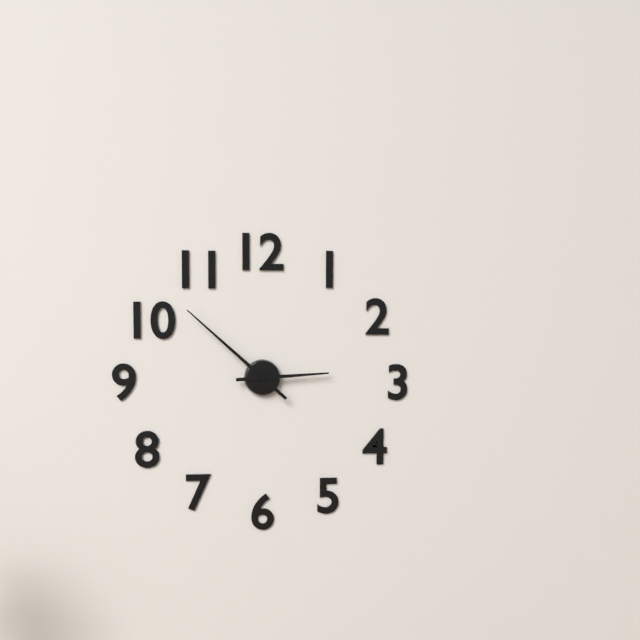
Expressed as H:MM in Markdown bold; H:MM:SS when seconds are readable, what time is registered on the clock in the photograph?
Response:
**2:52**
